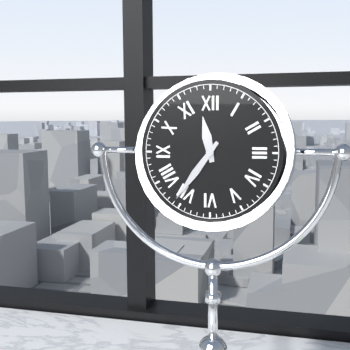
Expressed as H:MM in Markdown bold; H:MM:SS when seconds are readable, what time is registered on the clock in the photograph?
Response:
**11:36**
